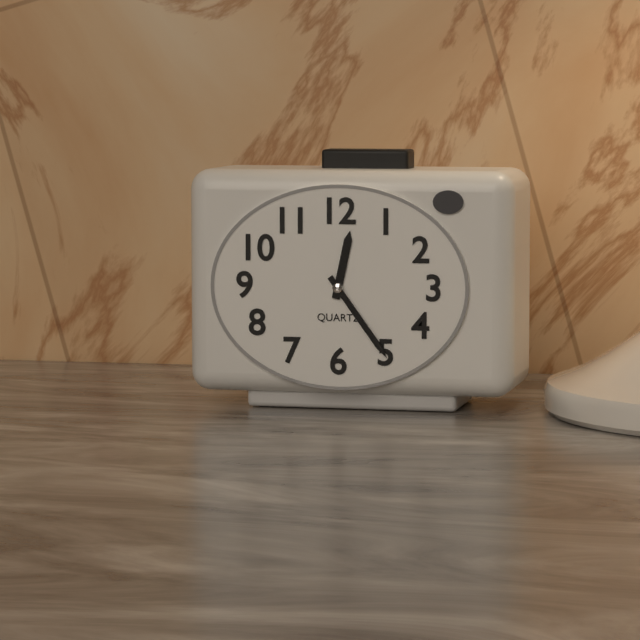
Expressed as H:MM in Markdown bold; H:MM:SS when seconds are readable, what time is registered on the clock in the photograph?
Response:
**12:24**
